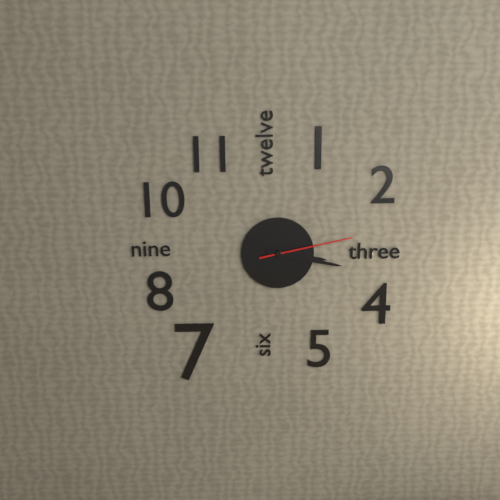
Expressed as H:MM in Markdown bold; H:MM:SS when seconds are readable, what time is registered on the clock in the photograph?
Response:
**3:17:13**
